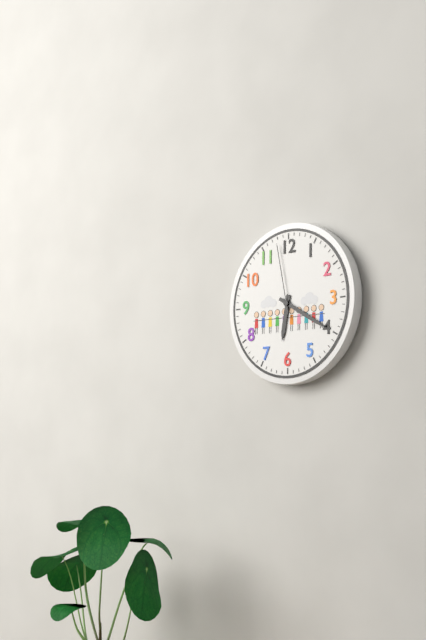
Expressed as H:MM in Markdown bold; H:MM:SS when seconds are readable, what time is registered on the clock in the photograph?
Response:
**6:20:58**
